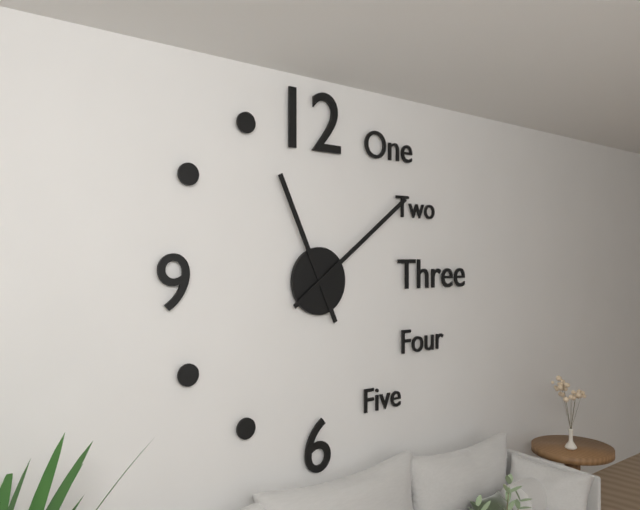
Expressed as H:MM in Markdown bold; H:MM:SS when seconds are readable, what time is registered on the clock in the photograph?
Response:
**11:09**
